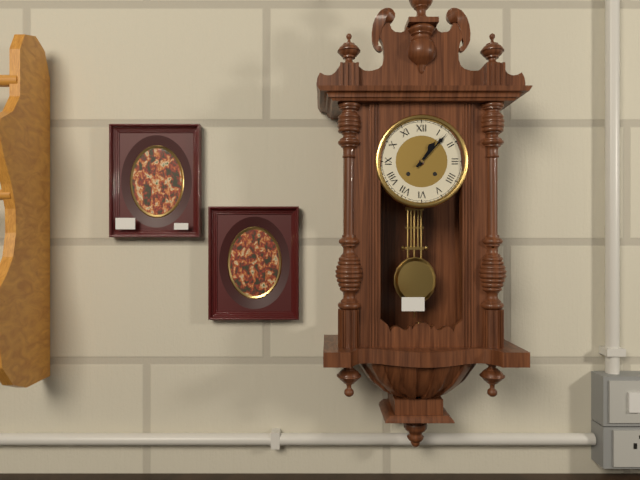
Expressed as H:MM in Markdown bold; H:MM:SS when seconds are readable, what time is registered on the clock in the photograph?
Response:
**1:07**
